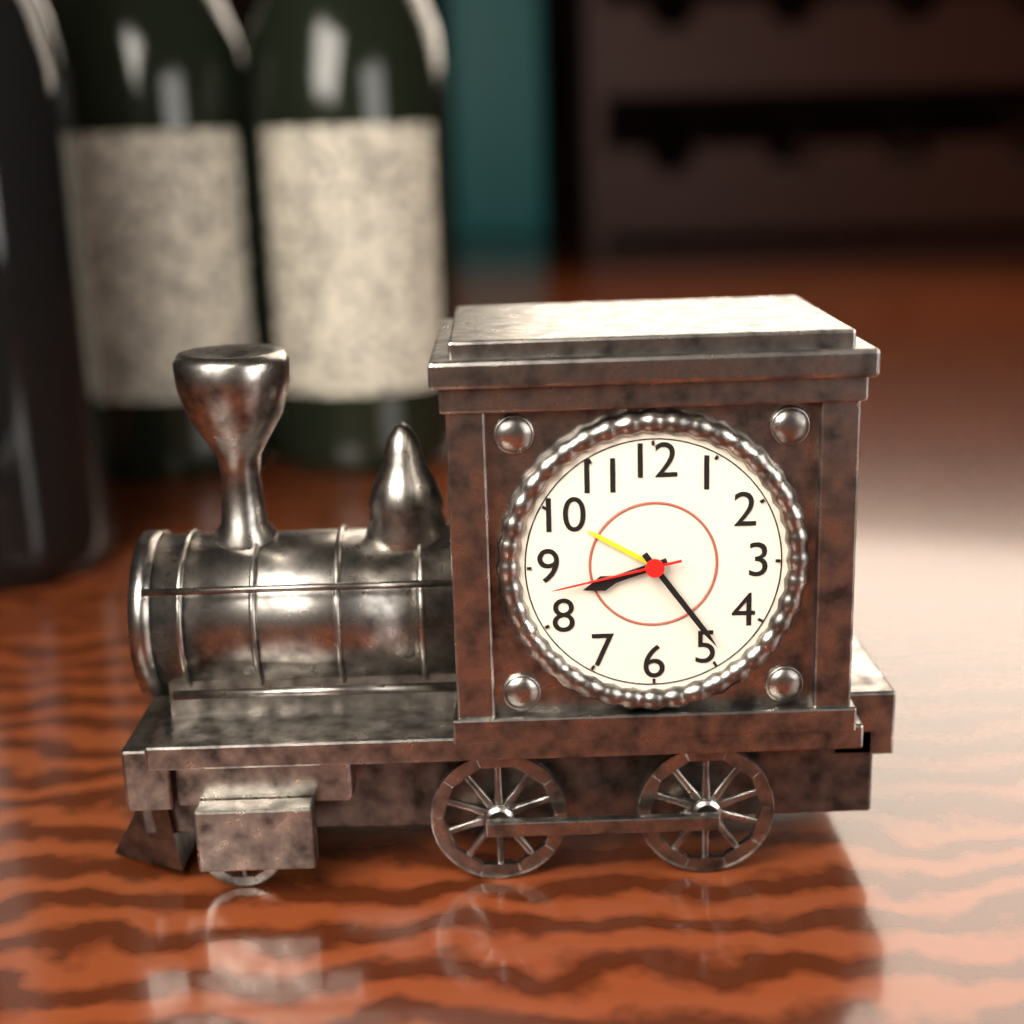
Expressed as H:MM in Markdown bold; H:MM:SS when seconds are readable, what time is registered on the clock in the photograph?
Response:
**8:24:43**
